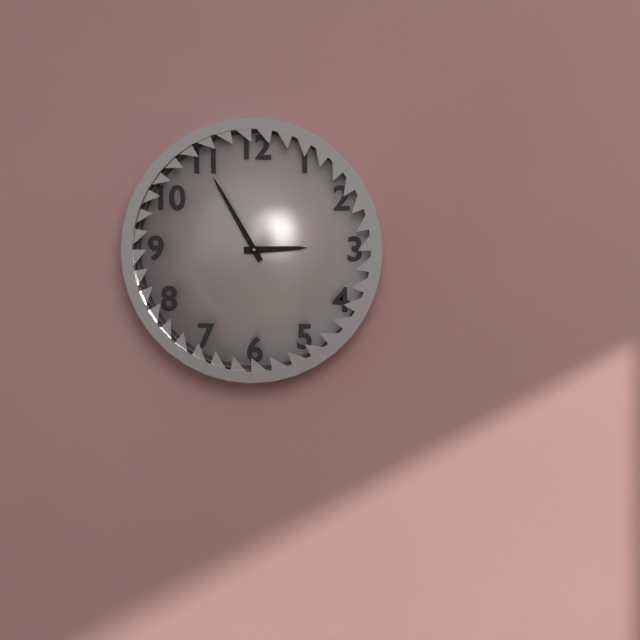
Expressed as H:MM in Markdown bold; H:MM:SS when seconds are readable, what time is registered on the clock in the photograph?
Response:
**2:55**
